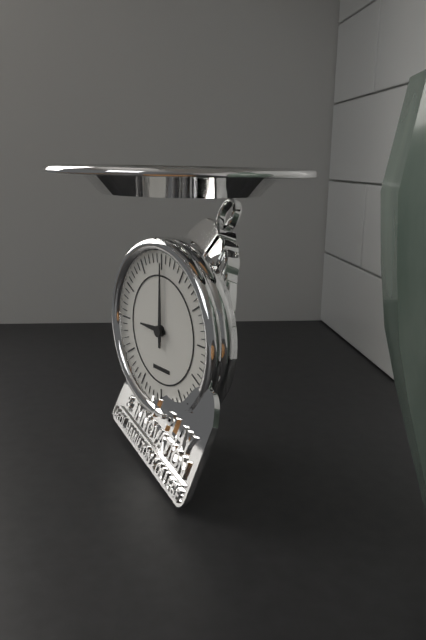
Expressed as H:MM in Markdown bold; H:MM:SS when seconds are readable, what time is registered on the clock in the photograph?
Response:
**9:00**
